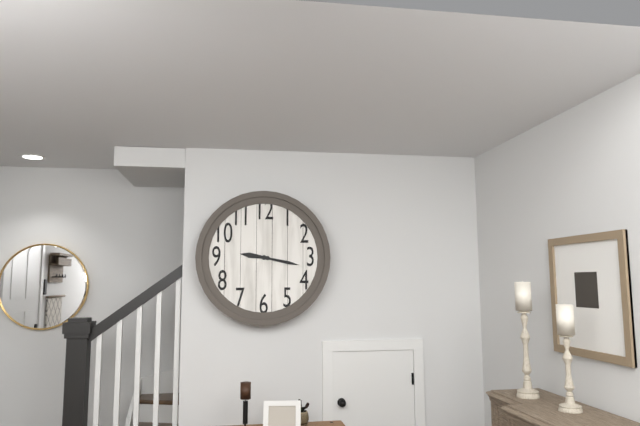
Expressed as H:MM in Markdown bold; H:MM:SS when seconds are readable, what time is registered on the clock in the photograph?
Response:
**9:17**
